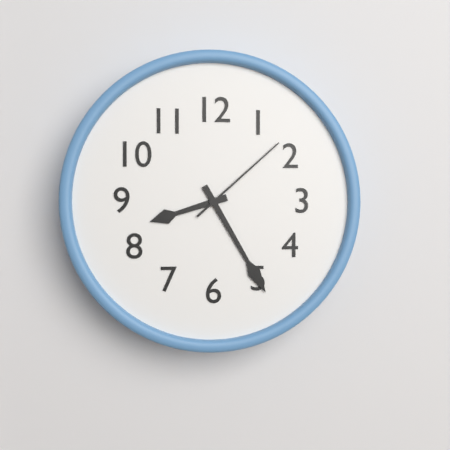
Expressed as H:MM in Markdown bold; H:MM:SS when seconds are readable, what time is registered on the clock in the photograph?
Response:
**8:25:08**
